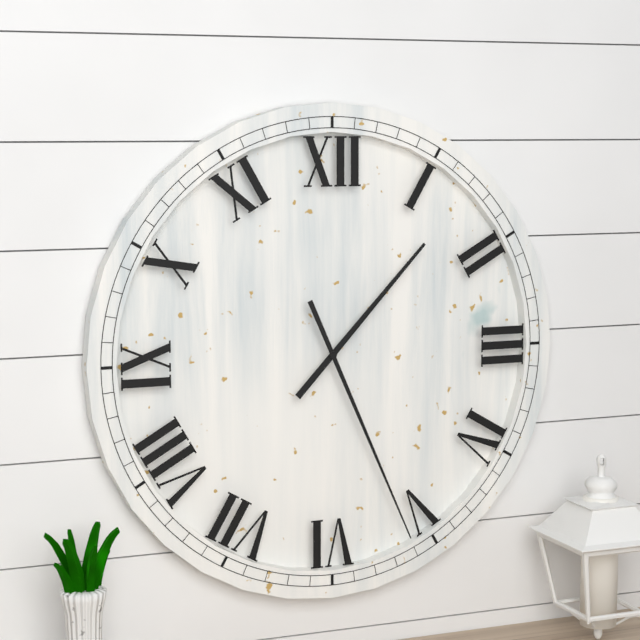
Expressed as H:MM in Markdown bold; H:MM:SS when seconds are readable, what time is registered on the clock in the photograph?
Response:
**1:26**
